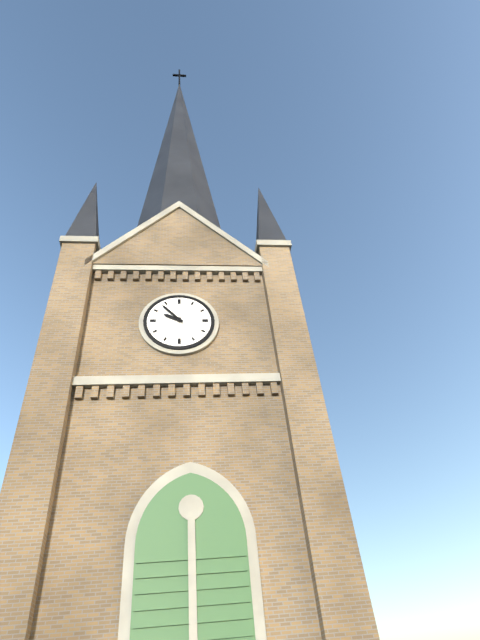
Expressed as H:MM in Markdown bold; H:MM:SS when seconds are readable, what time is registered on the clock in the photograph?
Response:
**9:53**
